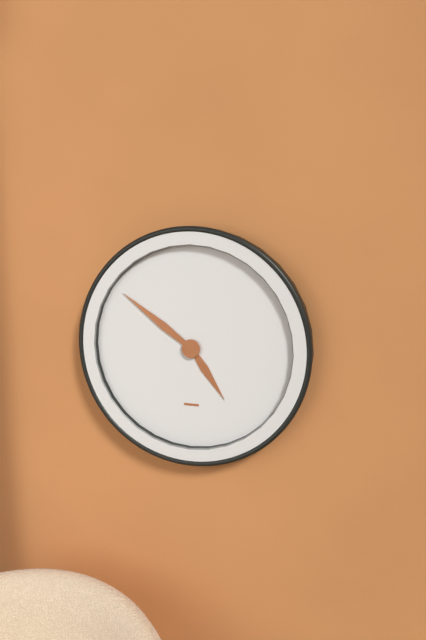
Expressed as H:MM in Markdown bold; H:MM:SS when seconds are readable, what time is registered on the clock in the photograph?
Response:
**4:51**
